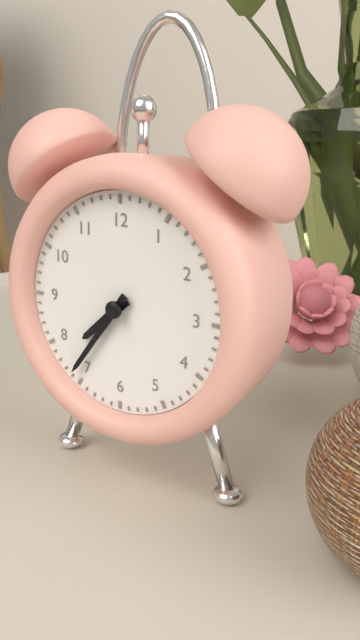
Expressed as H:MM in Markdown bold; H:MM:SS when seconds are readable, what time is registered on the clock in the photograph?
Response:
**7:36**
